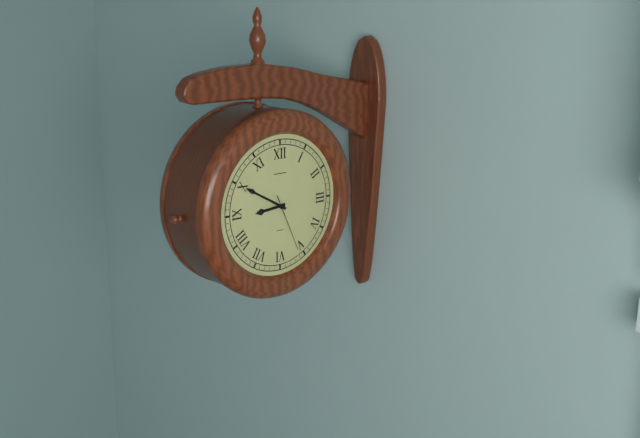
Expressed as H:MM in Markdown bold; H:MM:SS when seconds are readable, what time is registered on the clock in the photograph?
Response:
**8:50:26**
